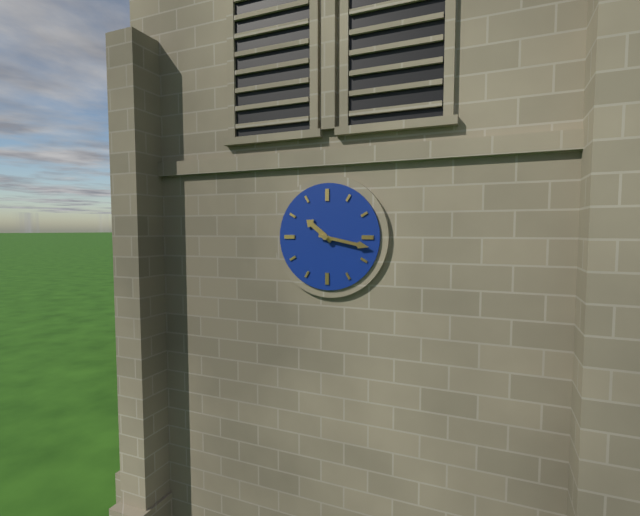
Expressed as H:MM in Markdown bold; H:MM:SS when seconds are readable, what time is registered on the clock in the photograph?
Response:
**10:17**
